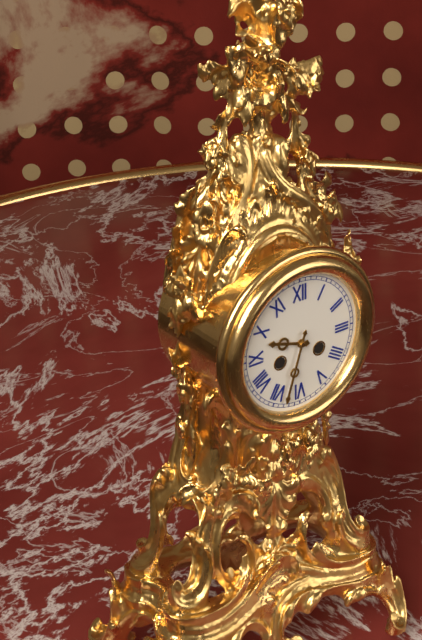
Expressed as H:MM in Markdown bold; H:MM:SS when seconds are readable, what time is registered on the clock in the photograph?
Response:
**9:33**
